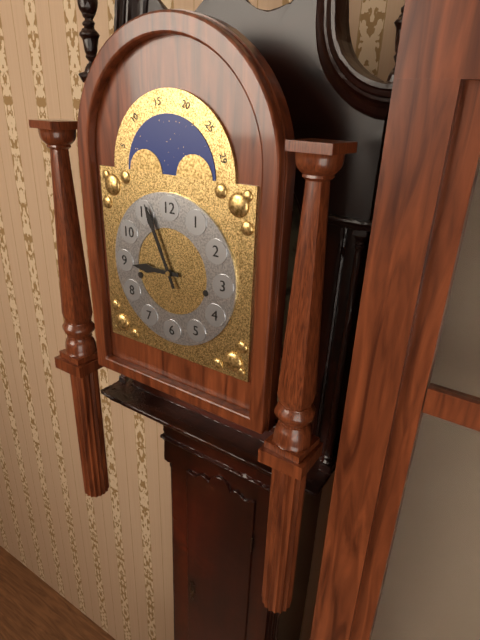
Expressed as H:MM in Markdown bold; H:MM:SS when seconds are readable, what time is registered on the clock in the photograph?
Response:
**8:56**
